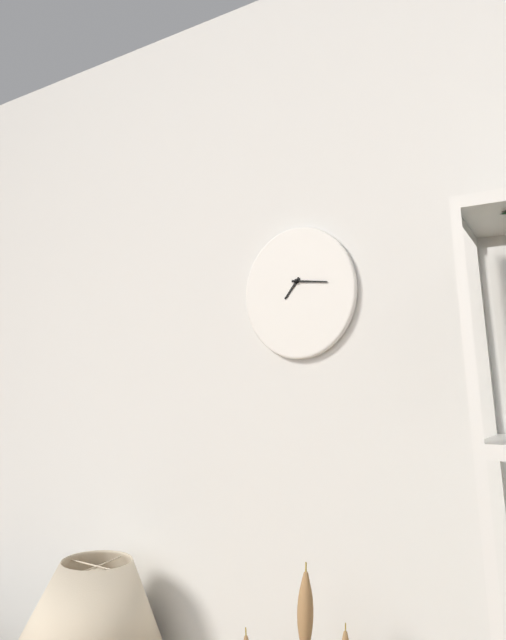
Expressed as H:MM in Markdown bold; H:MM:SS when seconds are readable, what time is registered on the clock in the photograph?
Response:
**7:16**
